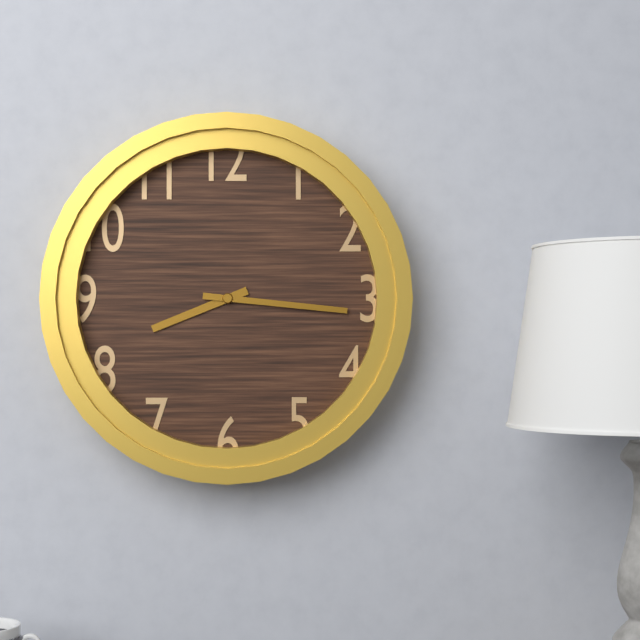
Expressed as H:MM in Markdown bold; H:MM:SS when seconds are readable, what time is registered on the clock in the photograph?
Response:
**8:16**
